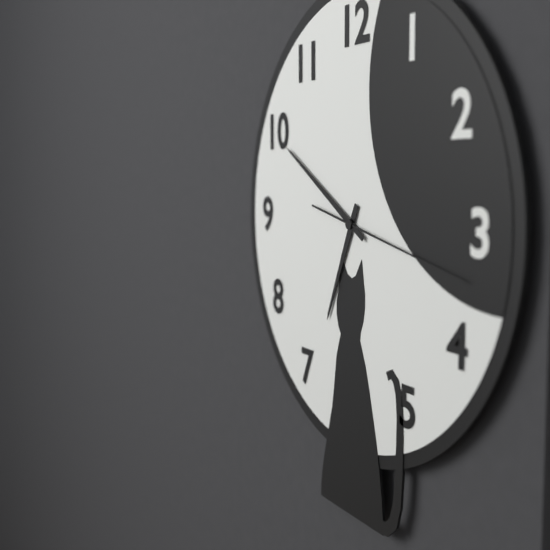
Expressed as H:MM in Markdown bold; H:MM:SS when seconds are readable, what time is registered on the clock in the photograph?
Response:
**6:50:17**
